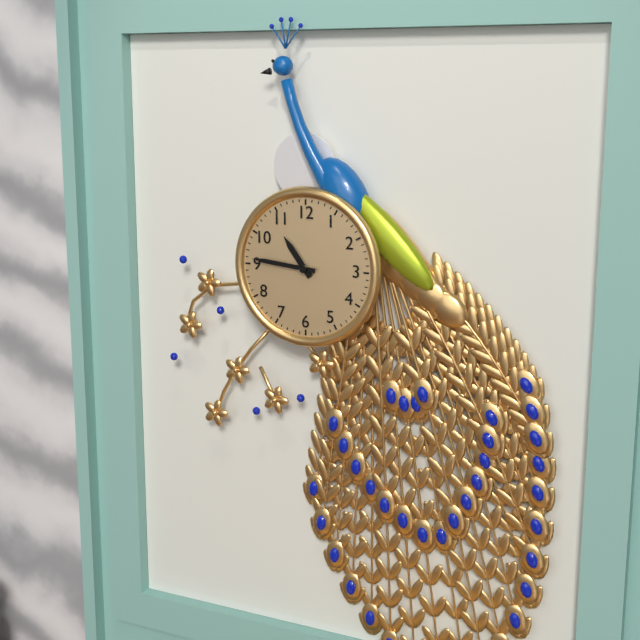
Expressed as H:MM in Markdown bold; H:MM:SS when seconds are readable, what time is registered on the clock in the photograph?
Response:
**10:46**
